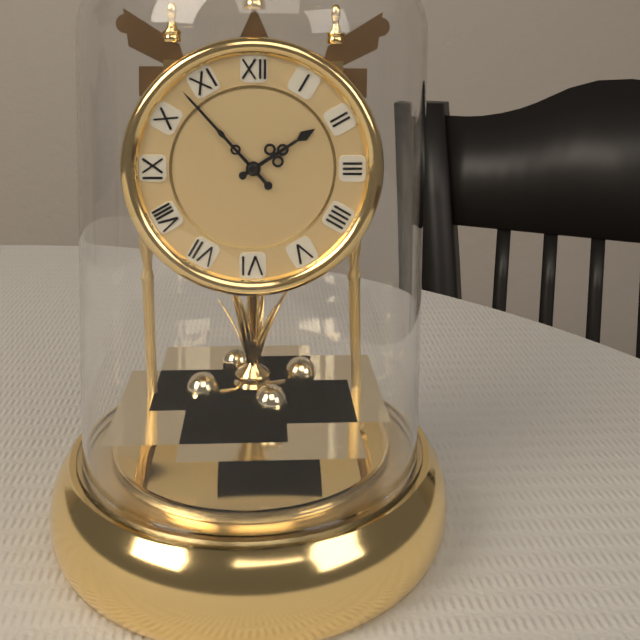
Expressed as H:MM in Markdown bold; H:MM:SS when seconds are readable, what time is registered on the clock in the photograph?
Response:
**1:53**
